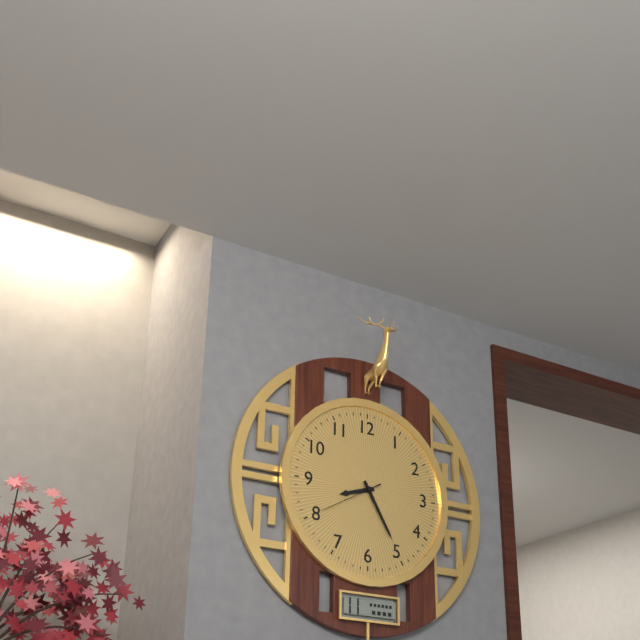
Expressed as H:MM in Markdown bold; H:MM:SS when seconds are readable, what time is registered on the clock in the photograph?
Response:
**8:25:40**
